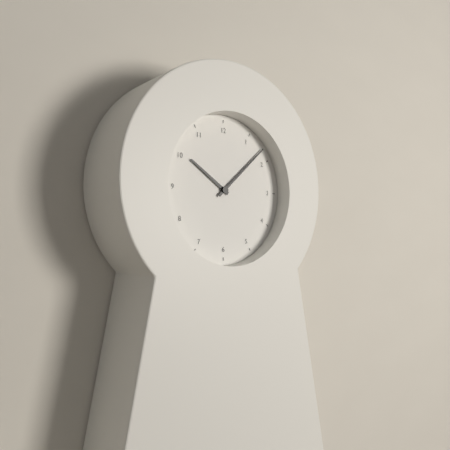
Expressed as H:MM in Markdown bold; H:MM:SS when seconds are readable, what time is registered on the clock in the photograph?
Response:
**10:08**
